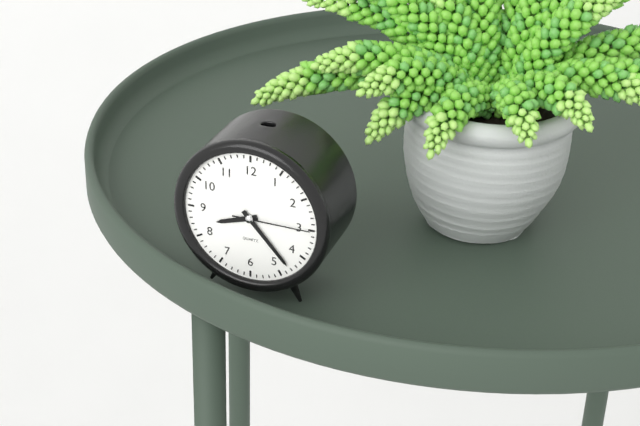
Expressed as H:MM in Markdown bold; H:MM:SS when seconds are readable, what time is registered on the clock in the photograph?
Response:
**8:23:15**
